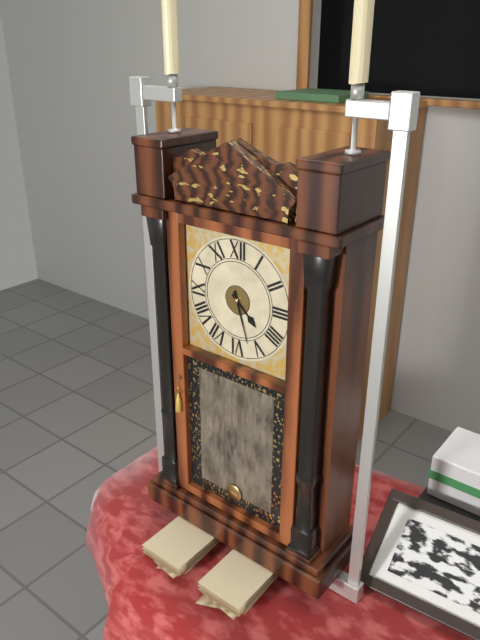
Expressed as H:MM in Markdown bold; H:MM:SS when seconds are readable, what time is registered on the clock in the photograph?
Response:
**4:27**
